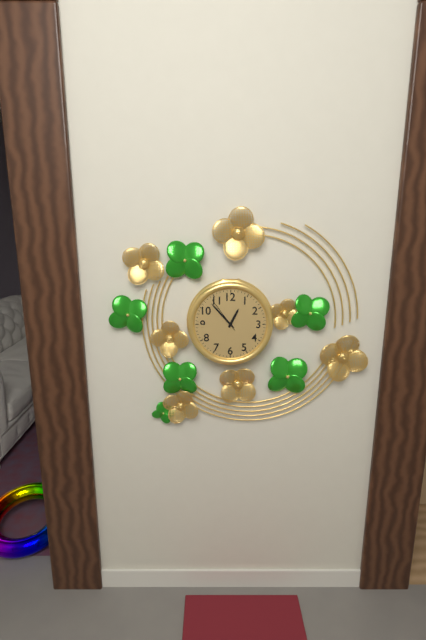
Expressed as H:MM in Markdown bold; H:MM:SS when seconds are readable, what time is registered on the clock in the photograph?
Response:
**12:53**
